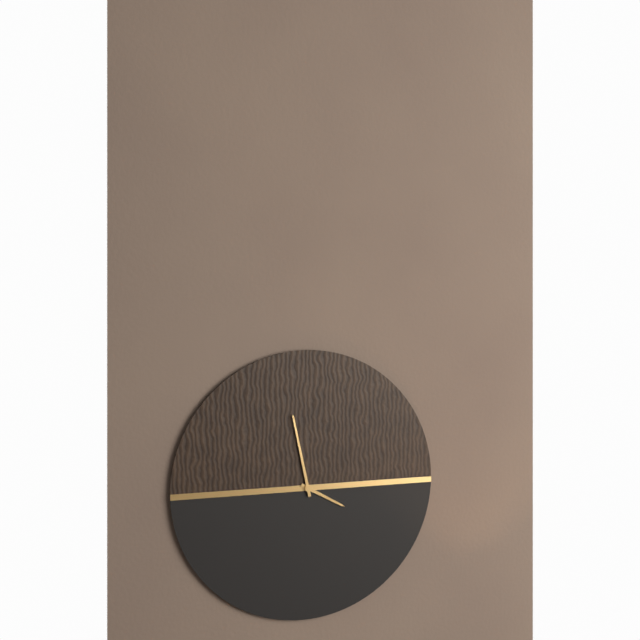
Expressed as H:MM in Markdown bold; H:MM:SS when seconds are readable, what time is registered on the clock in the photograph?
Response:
**3:58**
